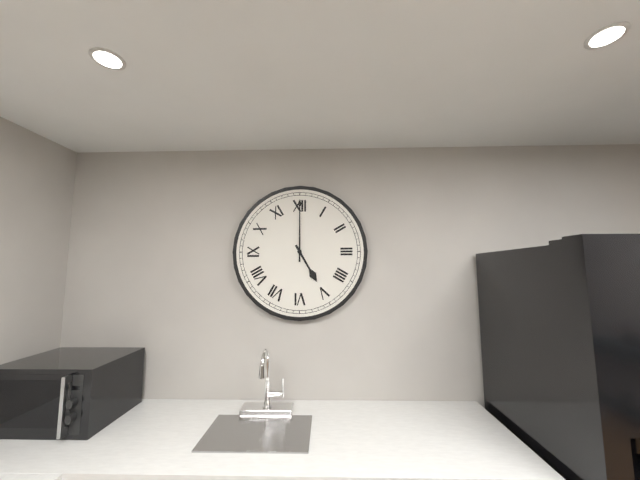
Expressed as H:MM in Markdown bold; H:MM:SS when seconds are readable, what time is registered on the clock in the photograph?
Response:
**5:00**
